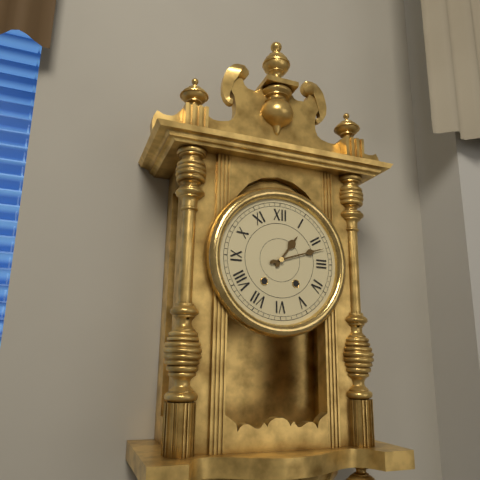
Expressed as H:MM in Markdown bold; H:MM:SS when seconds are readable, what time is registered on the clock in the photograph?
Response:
**1:12**
